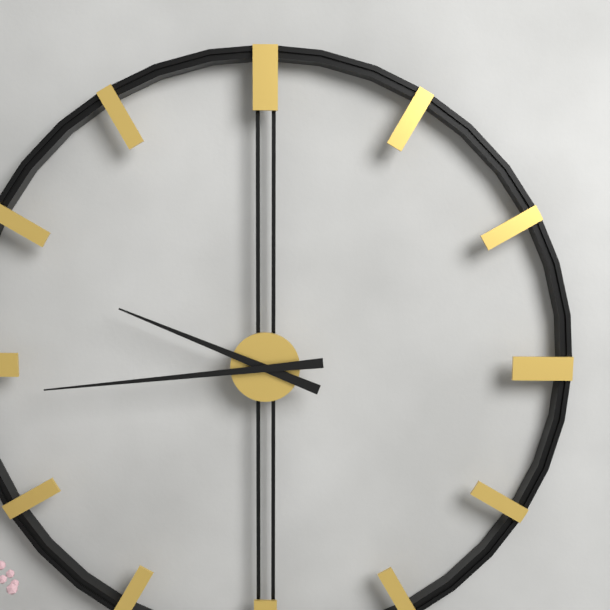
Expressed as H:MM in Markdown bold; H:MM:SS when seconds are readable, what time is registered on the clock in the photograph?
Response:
**9:44**
